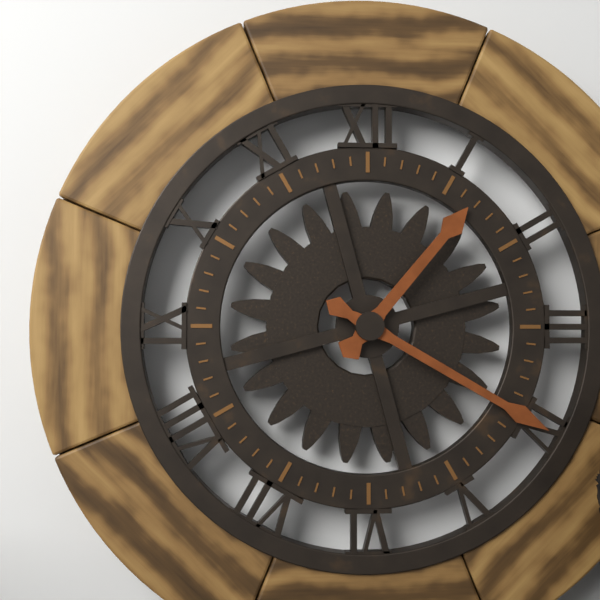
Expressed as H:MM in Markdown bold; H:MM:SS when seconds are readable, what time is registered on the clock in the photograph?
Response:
**1:20**
